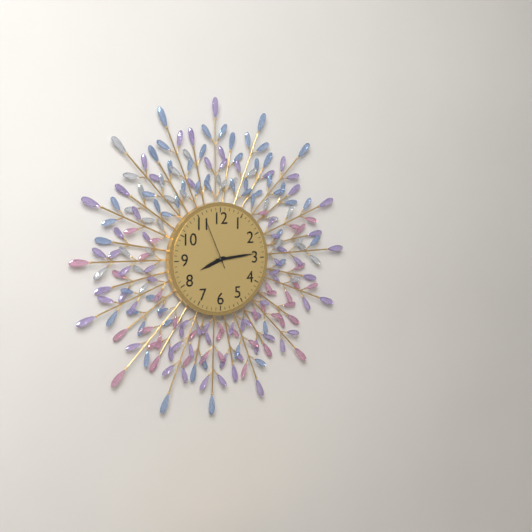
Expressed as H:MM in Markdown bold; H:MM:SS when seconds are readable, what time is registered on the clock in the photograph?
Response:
**8:14:56**
